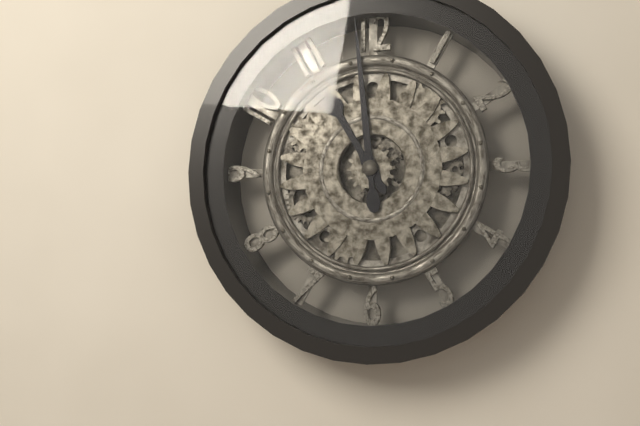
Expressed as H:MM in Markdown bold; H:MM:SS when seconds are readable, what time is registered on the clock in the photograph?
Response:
**10:59**
